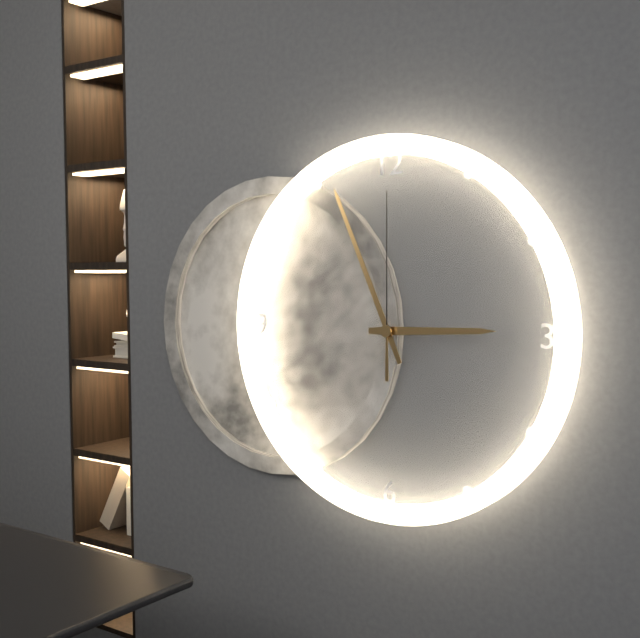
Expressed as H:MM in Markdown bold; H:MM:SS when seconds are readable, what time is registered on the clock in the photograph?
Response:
**2:56:00**
